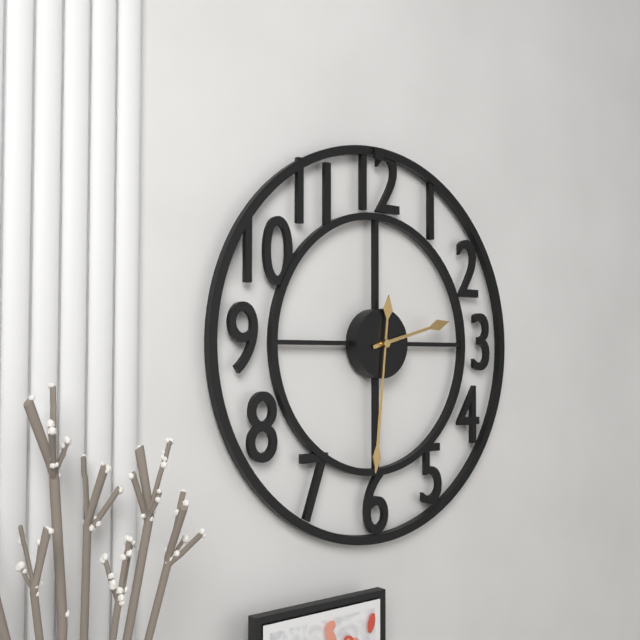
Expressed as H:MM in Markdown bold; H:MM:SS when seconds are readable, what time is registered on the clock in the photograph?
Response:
**2:31**
